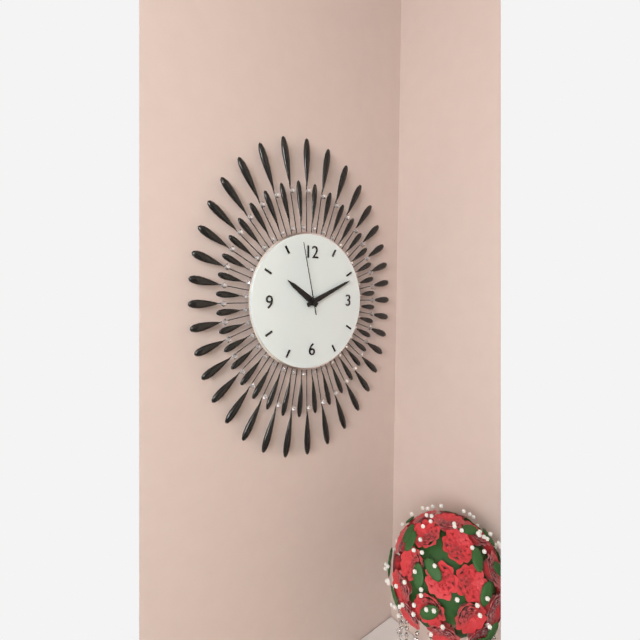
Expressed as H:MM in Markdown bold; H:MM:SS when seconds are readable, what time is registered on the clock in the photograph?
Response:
**10:11:58**
